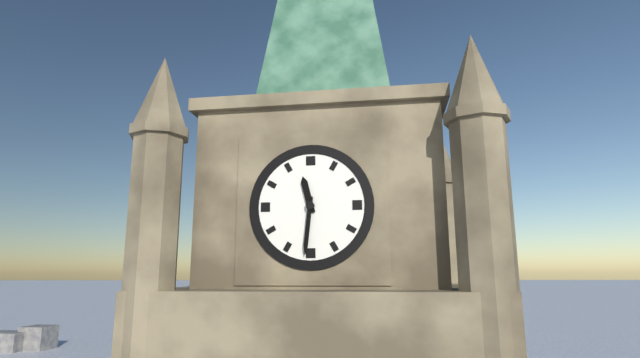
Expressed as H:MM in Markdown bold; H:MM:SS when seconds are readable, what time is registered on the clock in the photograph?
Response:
**11:31**
